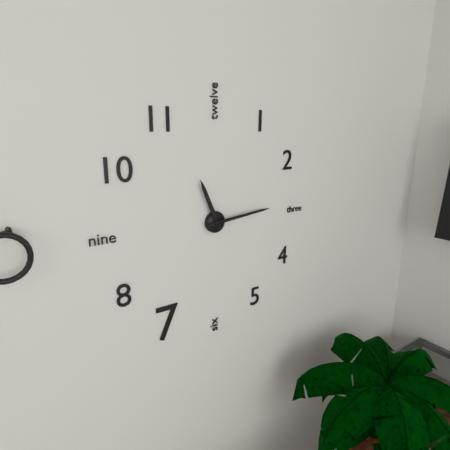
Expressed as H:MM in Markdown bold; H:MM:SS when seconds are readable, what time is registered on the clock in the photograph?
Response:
**11:14**
